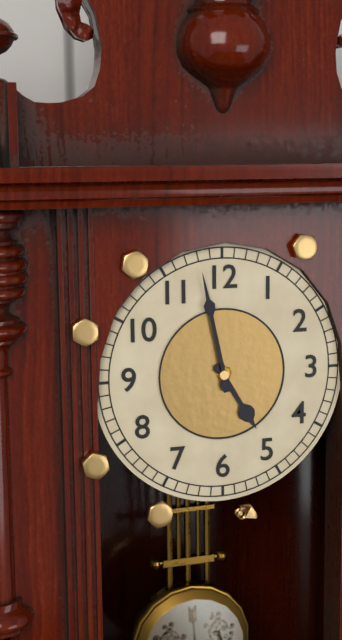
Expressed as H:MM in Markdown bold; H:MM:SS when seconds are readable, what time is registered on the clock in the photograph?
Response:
**4:58**
